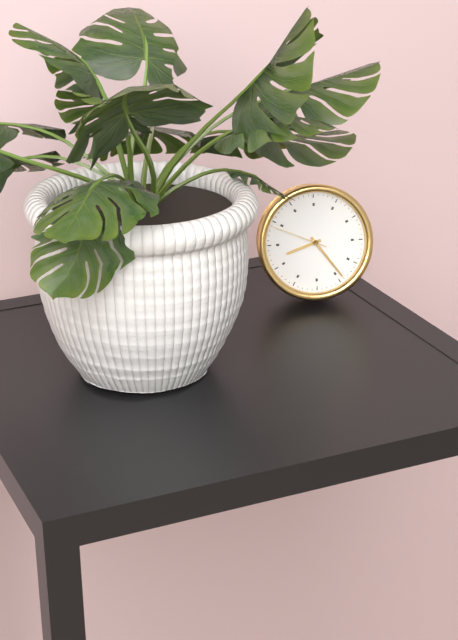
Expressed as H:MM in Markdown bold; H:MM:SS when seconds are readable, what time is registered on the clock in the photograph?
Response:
**8:24:49**
